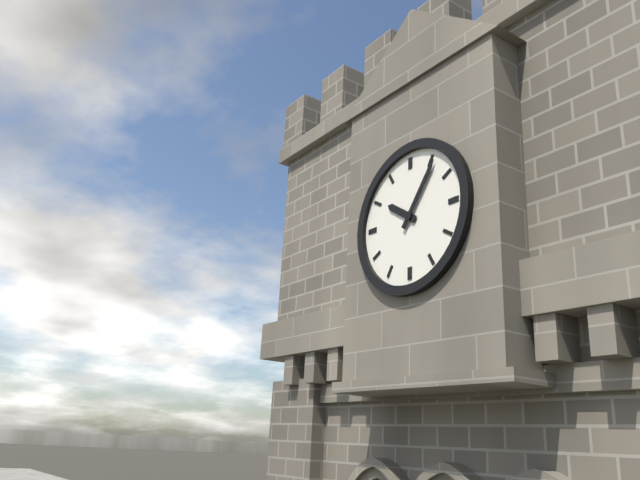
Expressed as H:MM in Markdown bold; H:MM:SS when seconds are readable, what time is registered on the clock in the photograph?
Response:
**10:06**
